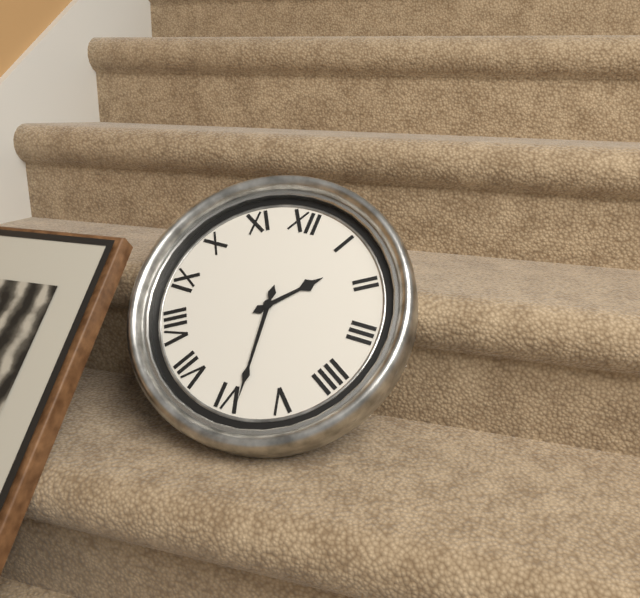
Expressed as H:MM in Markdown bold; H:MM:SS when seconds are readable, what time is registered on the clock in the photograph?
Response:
**1:29**
